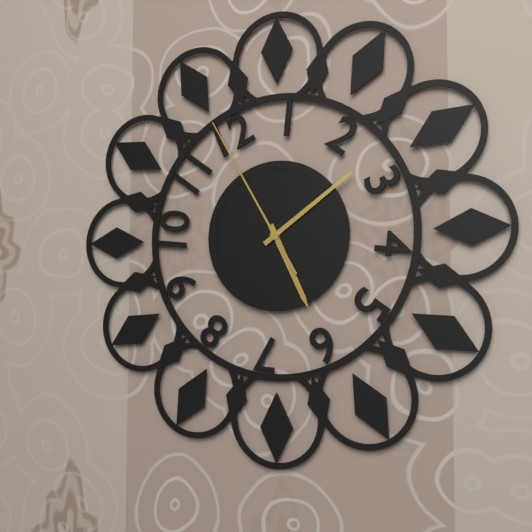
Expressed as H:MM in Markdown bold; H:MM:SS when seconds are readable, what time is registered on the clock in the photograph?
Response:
**5:09:55**
